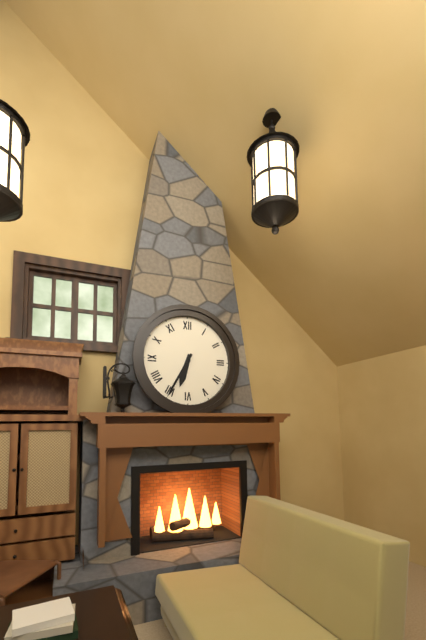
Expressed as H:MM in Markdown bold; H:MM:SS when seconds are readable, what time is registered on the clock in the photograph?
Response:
**6:35**
